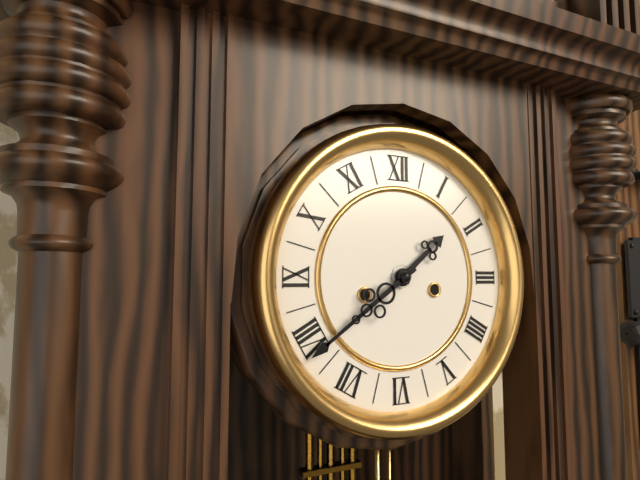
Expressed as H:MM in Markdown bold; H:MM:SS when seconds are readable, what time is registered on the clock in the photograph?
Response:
**1:39**
